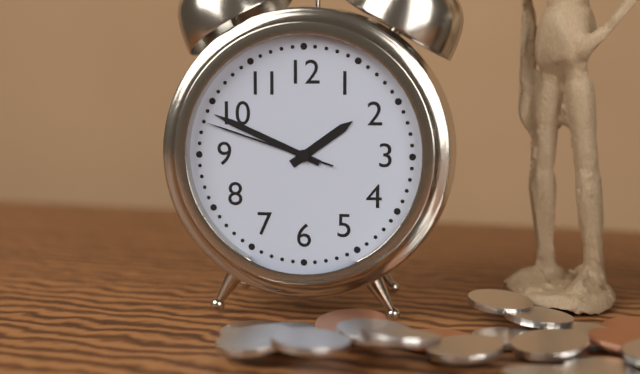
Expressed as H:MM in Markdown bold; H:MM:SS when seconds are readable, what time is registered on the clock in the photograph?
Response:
**1:49:48**
